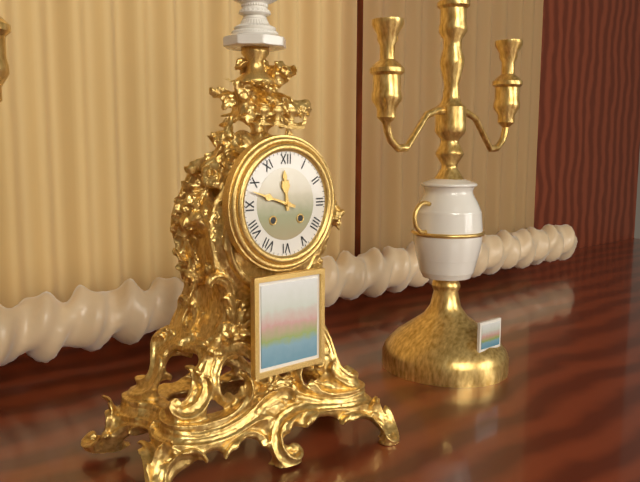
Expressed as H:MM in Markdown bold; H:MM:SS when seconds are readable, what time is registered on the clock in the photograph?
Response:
**11:48**
